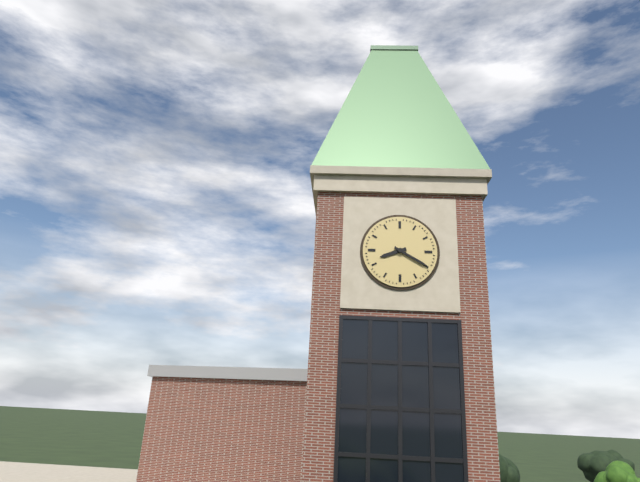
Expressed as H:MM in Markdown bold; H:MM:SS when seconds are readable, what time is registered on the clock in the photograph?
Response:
**8:20**
